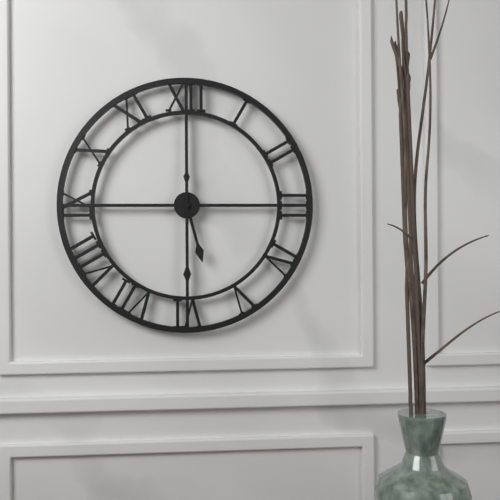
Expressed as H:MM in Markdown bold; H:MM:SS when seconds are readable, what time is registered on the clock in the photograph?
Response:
**5:30**
